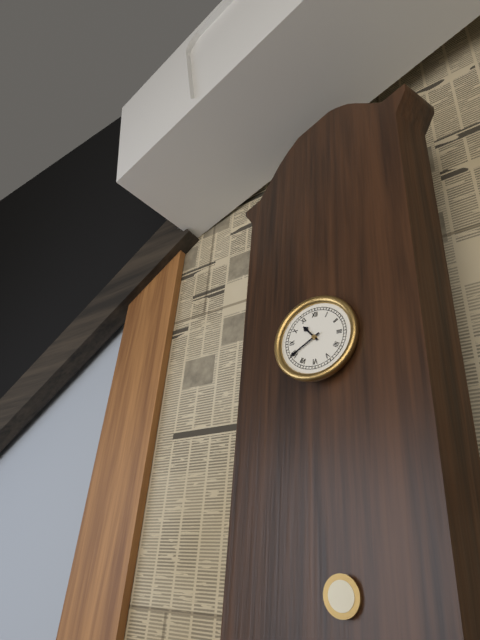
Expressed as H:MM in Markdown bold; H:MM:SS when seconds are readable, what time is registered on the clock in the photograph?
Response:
**10:40**
